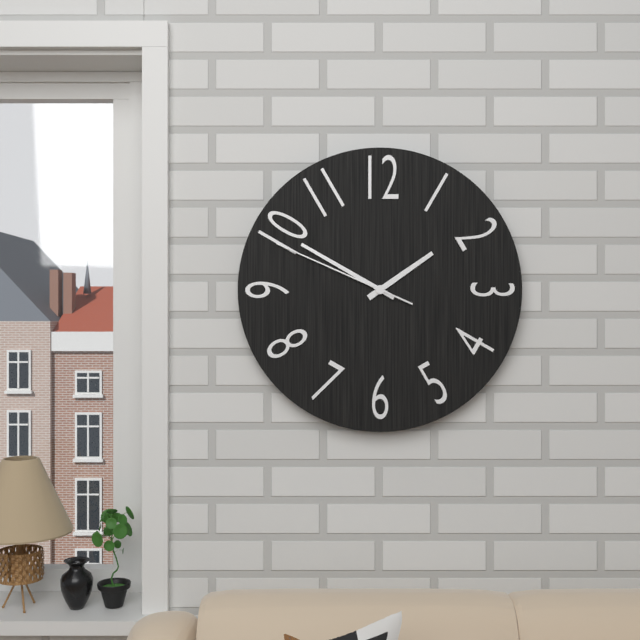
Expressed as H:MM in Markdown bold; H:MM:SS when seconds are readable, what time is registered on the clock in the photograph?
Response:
**1:50:49**
